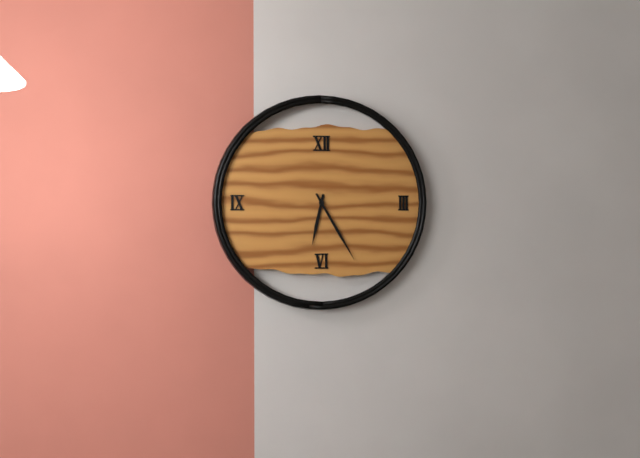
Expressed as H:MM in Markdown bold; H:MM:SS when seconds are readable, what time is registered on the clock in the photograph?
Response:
**6:25**
